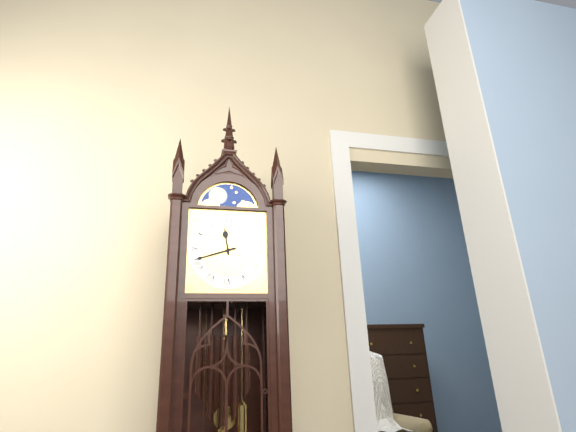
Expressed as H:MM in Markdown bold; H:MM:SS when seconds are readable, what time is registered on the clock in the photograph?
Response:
**11:42**
